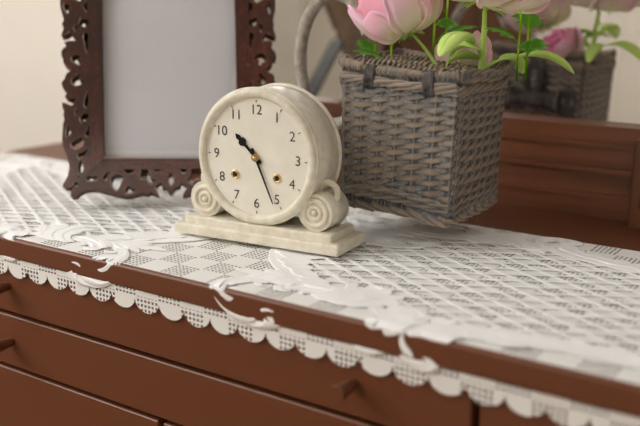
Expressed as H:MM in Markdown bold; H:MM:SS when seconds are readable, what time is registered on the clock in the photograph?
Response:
**10:26**
